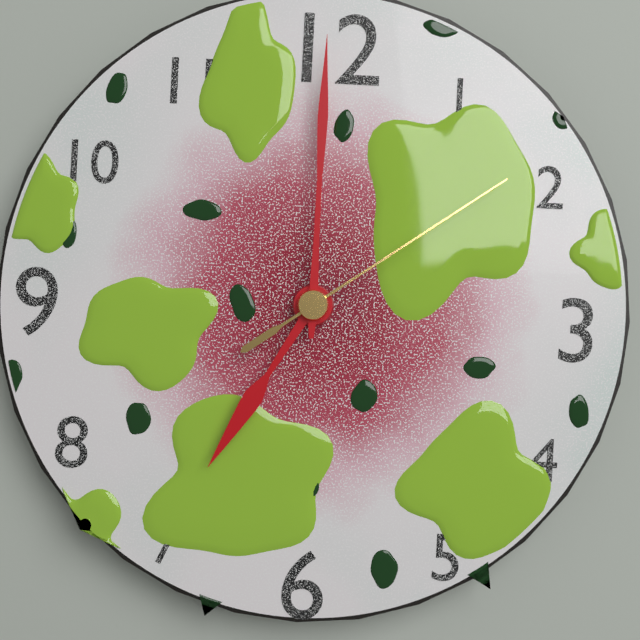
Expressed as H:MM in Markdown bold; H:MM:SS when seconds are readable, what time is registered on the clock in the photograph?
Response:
**7:00:09**
